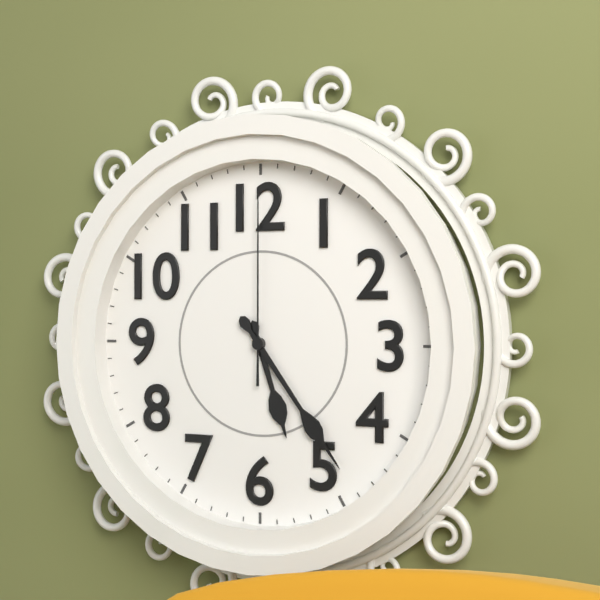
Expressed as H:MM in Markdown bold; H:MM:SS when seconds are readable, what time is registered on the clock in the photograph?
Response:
**5:24:00**
